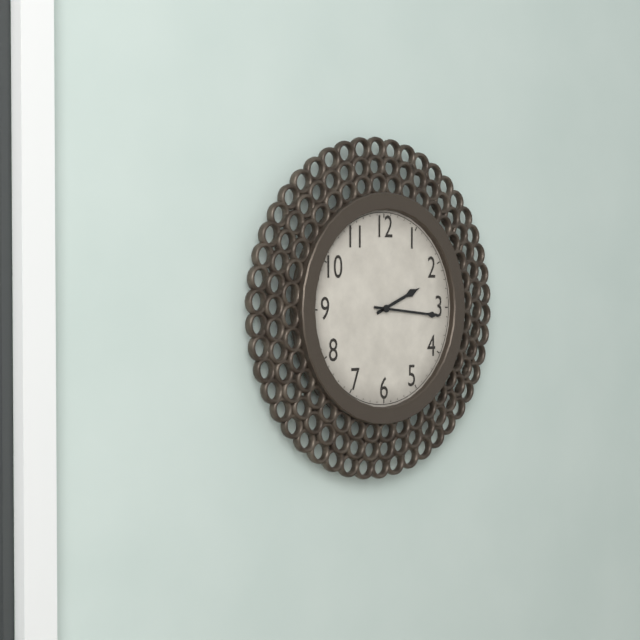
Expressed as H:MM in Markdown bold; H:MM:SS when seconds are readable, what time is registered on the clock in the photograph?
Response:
**2:16**
